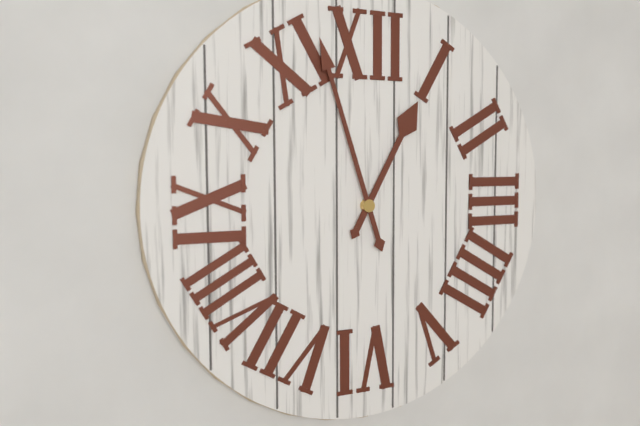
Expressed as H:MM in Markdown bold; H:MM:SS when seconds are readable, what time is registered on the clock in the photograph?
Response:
**12:57**
